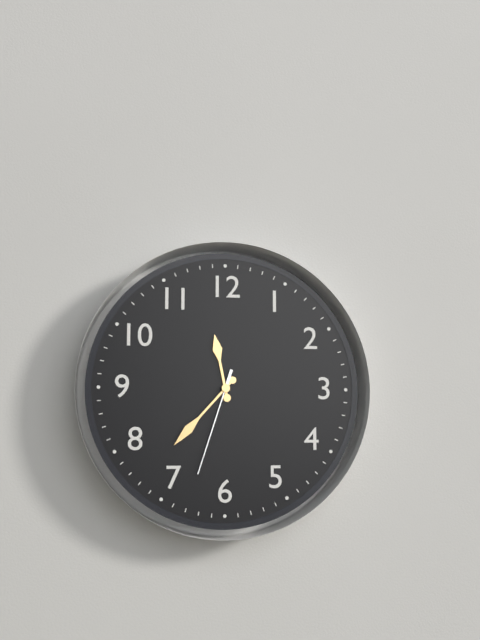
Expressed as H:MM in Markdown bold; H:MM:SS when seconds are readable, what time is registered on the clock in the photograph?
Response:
**11:37:33**
